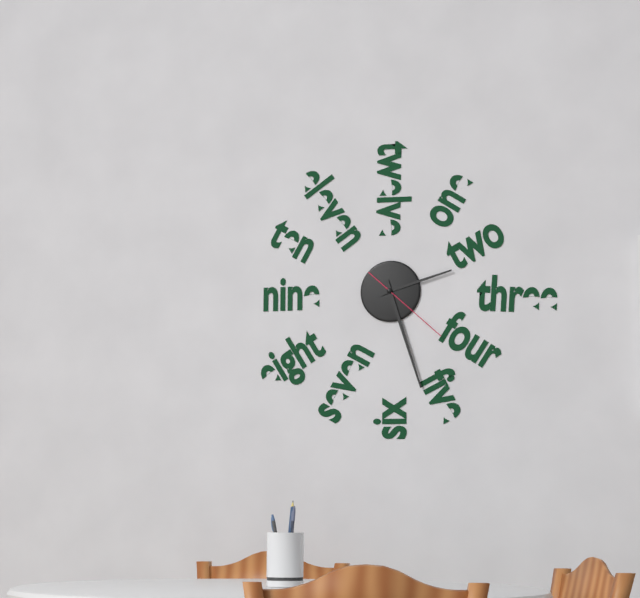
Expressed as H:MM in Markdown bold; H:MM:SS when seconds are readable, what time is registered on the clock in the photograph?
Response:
**2:27:22**
